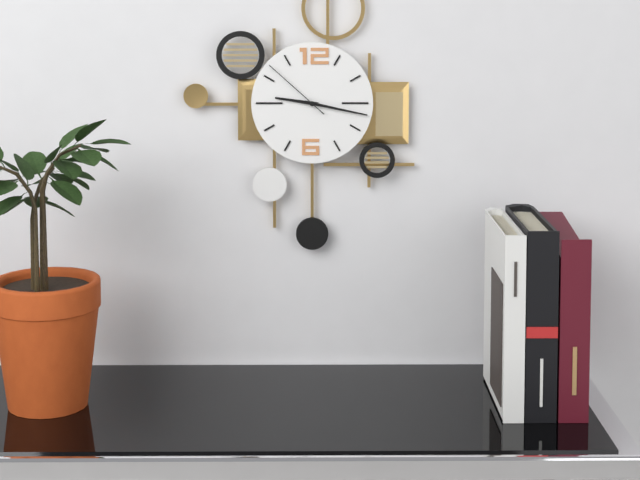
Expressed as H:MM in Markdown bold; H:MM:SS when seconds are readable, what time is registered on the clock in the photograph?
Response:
**9:17:52**
